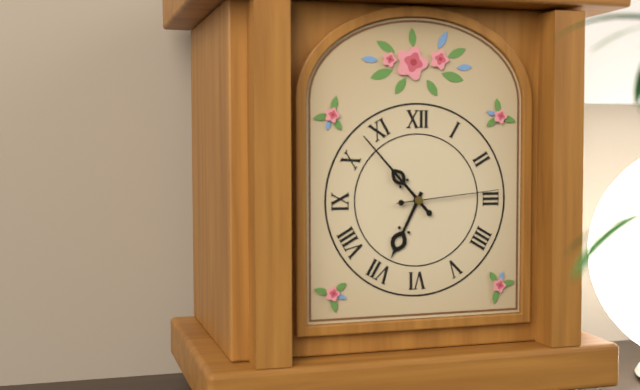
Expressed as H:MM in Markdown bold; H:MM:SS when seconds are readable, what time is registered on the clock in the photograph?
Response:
**6:53:14**
